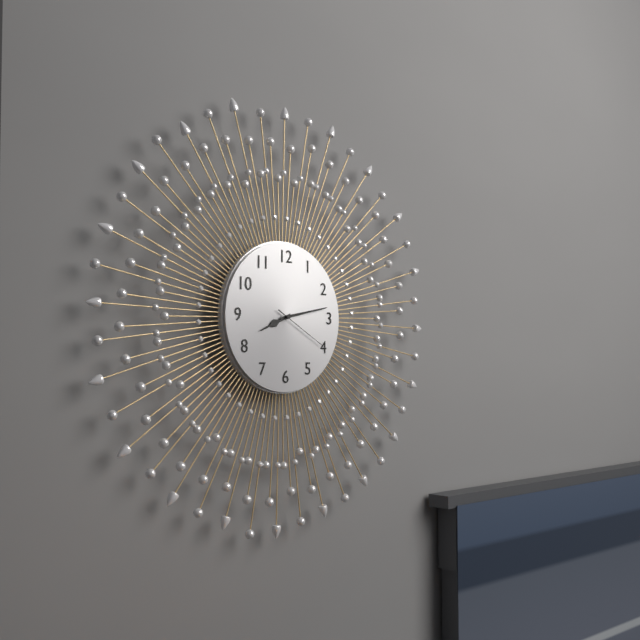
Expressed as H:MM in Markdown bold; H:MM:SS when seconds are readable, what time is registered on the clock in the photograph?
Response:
**8:13:20**
